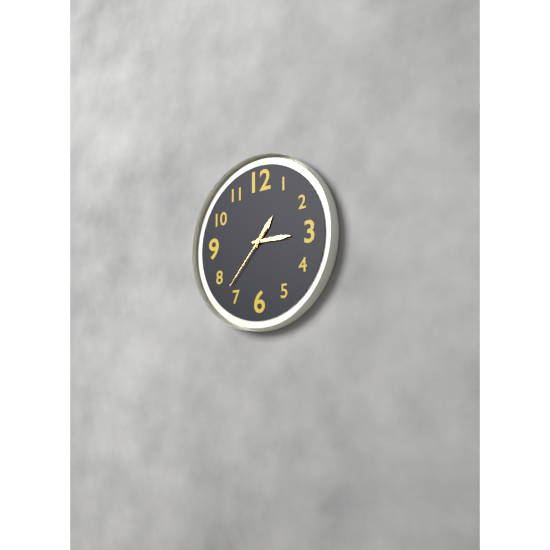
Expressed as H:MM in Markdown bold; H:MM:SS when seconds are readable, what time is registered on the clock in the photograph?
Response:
**1:15:37**
